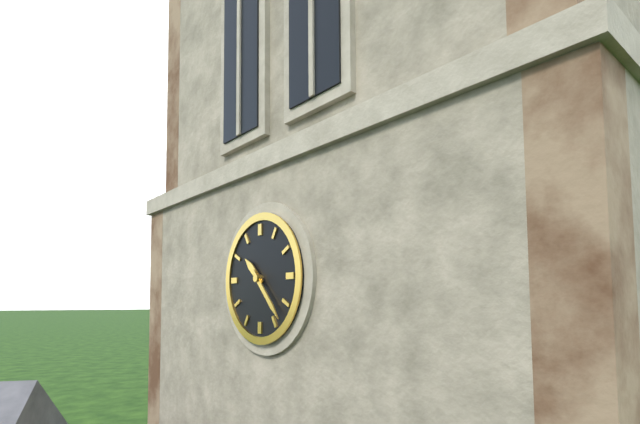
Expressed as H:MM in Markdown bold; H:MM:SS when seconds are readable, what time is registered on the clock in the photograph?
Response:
**10:23**
